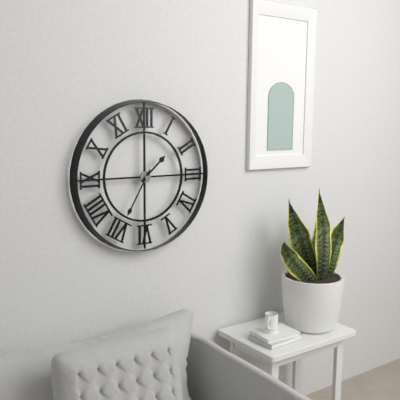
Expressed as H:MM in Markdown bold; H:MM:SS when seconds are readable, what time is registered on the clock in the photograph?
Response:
**1:35**
